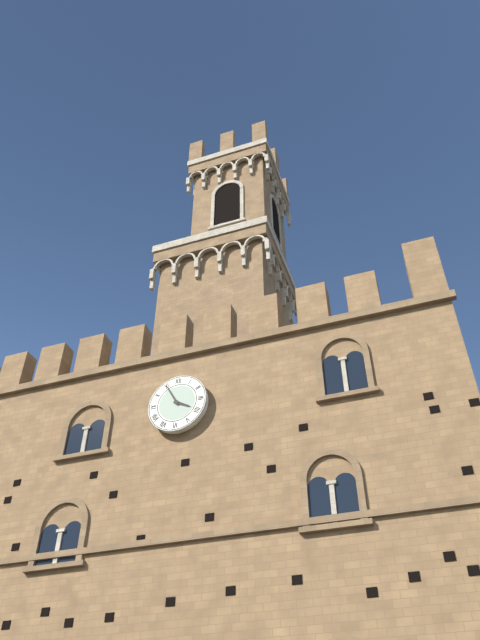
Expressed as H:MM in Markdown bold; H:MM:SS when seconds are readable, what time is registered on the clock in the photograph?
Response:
**3:55**
